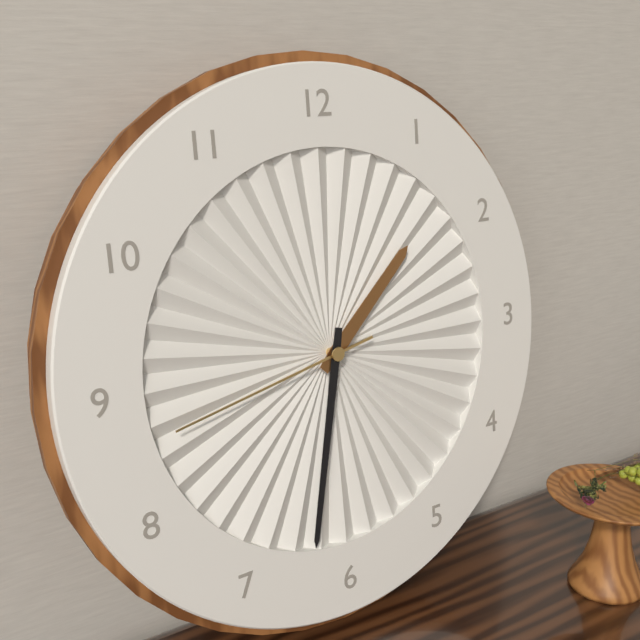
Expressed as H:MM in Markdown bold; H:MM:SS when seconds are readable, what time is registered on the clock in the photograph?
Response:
**1:32:43**
